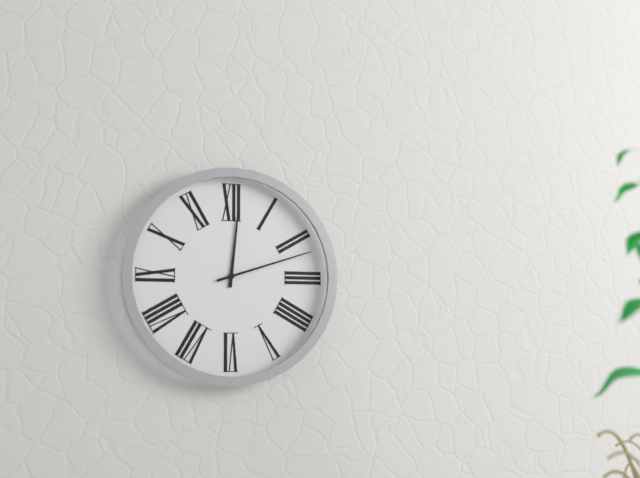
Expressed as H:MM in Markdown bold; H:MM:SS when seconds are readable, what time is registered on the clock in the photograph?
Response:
**12:12**
